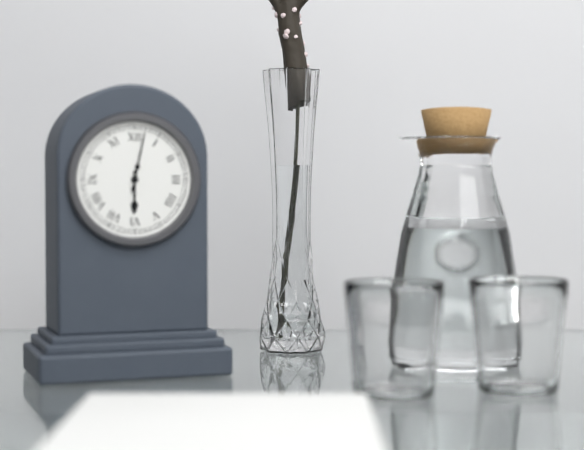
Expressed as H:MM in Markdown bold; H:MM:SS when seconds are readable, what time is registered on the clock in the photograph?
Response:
**6:02**
